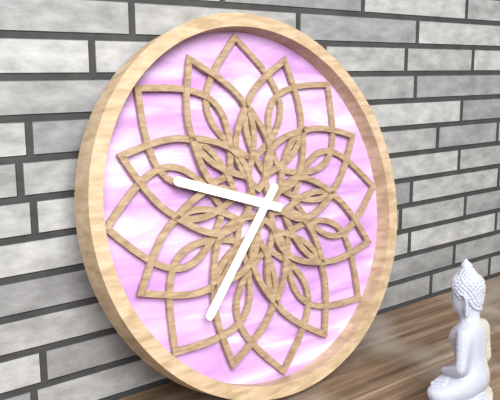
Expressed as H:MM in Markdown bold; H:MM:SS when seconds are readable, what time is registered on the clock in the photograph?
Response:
**9:37**
